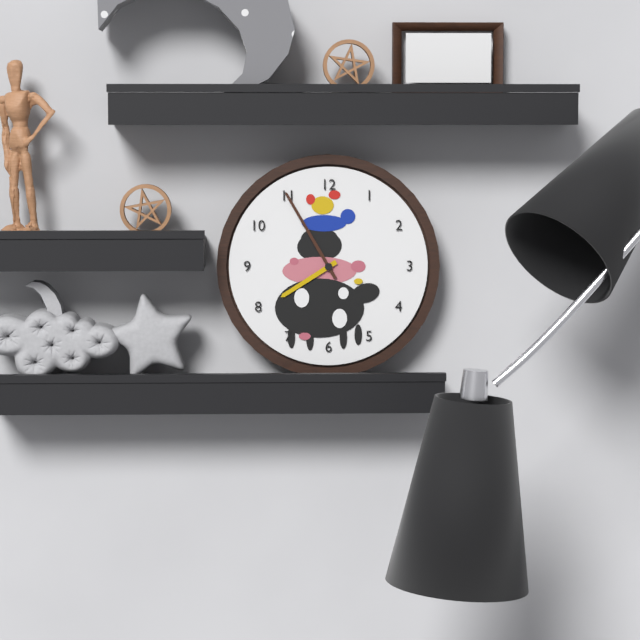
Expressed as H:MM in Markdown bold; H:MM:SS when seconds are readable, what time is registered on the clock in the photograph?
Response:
**7:55**
